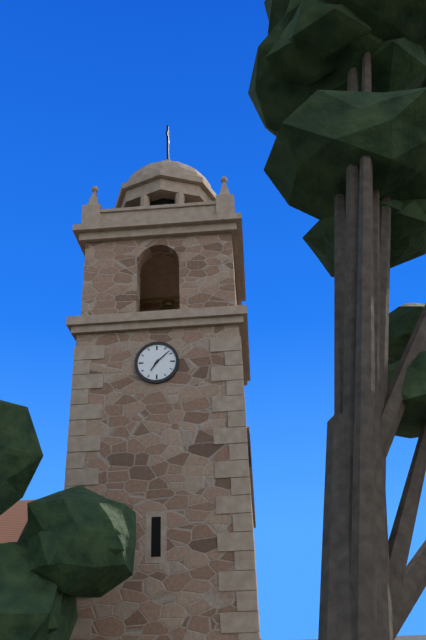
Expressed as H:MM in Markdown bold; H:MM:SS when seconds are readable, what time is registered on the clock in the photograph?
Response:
**7:08**
